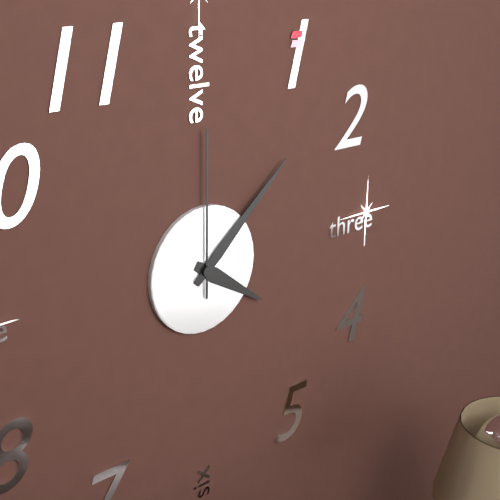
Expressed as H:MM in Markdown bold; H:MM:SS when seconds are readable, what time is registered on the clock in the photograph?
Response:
**4:08:00**
